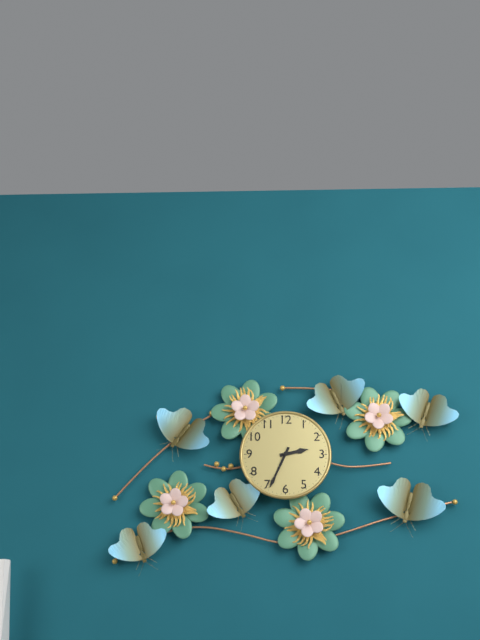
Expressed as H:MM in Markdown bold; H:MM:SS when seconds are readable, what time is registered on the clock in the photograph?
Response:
**2:34**
